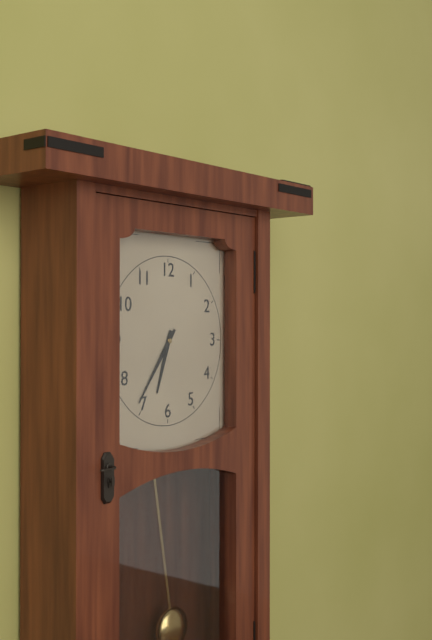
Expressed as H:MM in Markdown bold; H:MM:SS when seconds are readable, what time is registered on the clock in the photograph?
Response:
**6:36**
